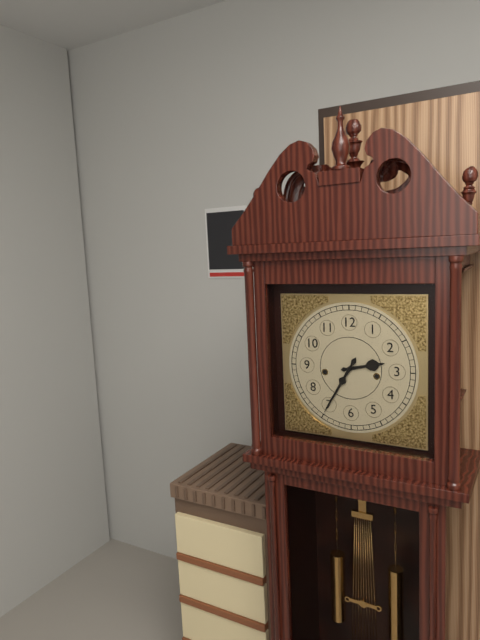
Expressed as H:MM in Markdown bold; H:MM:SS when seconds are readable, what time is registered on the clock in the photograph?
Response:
**2:35**
